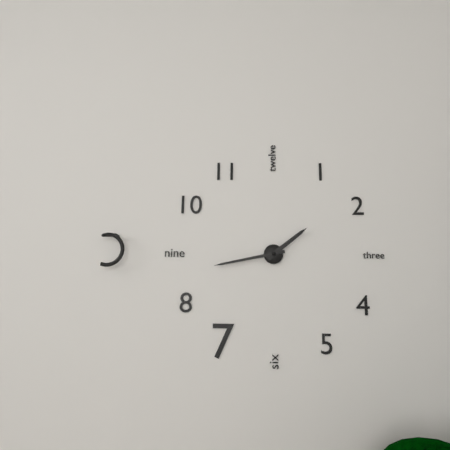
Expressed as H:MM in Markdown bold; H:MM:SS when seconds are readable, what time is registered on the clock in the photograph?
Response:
**1:43**
